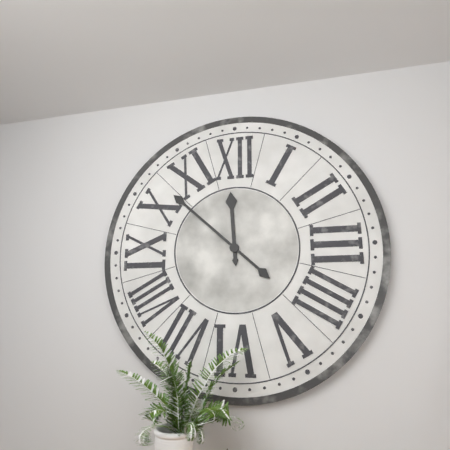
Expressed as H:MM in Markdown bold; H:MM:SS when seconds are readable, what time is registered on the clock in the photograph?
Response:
**11:52**
